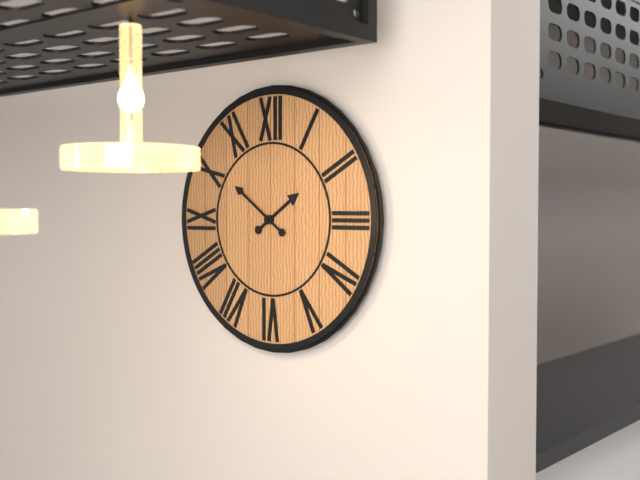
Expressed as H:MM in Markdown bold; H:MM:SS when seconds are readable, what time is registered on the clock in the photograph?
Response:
**1:51**
